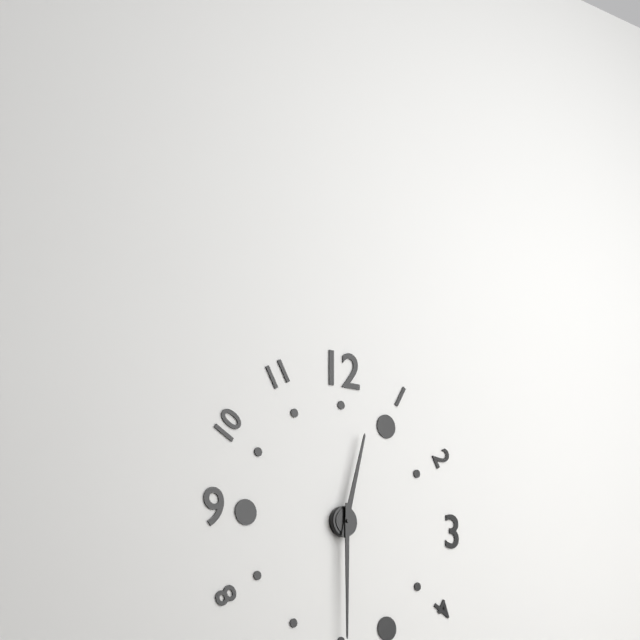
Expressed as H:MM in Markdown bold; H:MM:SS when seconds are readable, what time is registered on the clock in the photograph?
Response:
**12:30**
